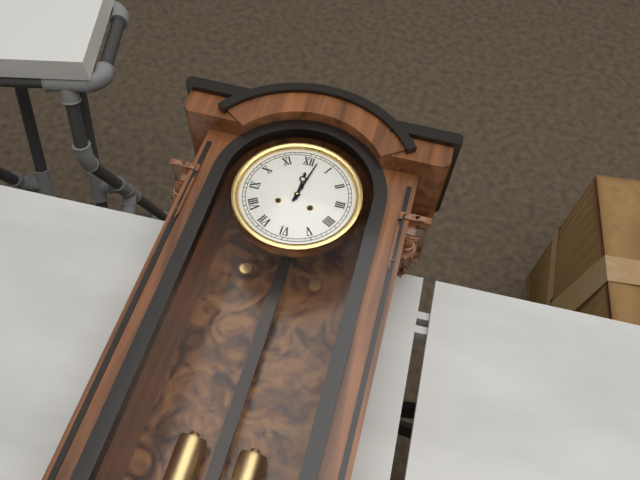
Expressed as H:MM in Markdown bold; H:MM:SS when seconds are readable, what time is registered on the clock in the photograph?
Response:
**12:02**
